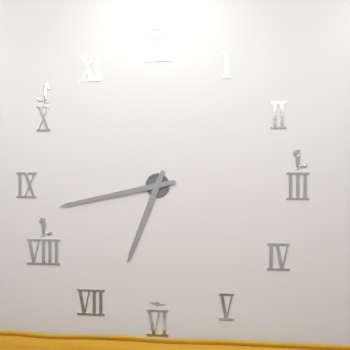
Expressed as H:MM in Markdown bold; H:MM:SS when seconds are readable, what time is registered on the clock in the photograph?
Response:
**6:43**
